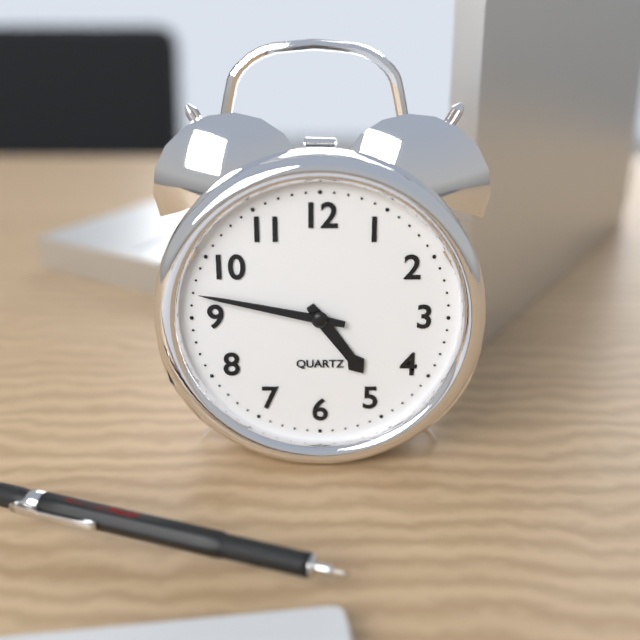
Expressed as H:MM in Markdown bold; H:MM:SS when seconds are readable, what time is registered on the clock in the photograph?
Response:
**4:47**
